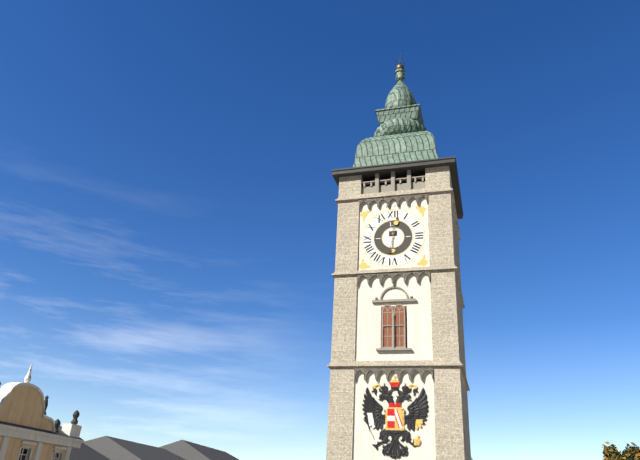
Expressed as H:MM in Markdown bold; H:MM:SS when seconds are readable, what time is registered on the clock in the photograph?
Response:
**6:02**
